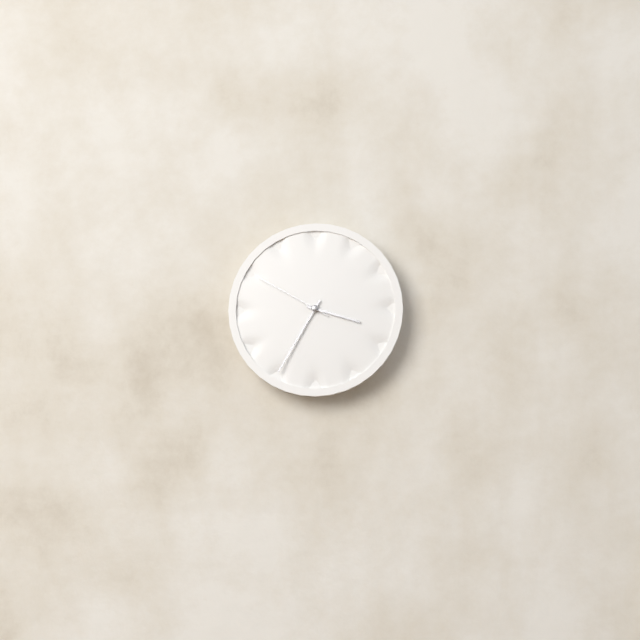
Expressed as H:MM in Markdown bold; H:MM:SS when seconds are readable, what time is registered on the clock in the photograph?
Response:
**3:35:50**
